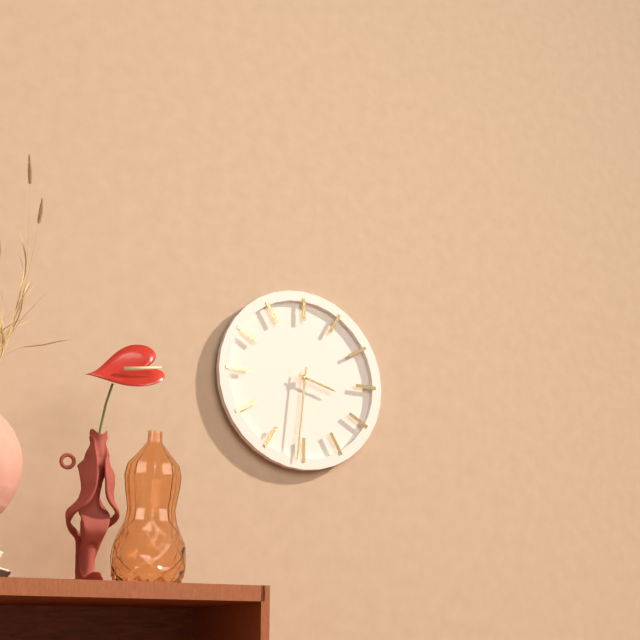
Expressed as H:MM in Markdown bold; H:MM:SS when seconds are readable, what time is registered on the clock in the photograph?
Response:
**3:31**
